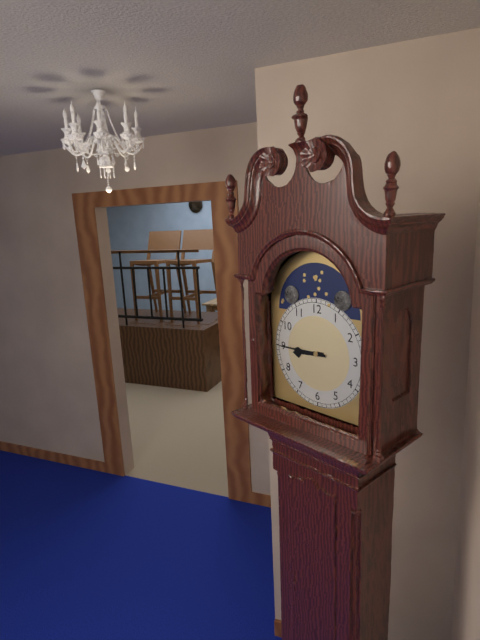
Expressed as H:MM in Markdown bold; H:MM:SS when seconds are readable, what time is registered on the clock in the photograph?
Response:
**8:45**
